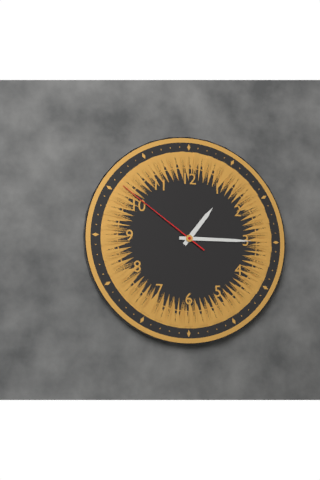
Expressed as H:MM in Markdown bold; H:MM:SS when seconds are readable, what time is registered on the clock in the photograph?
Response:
**1:15:51**
